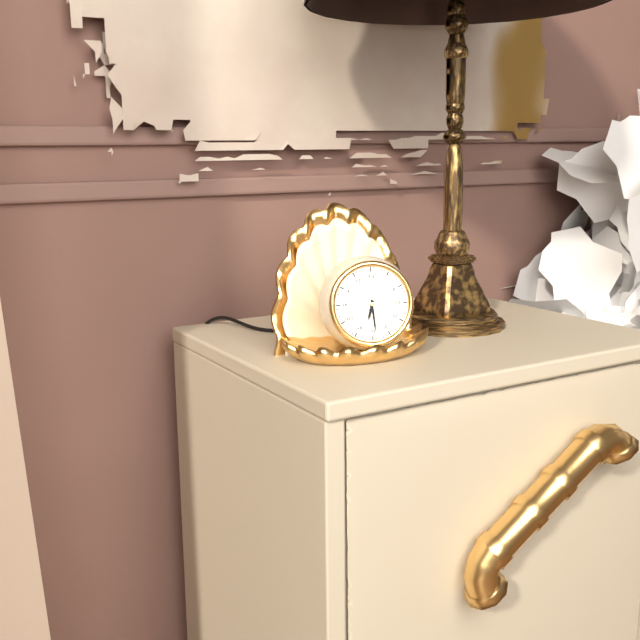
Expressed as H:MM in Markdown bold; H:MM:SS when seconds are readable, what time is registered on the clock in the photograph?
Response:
**6:29**
